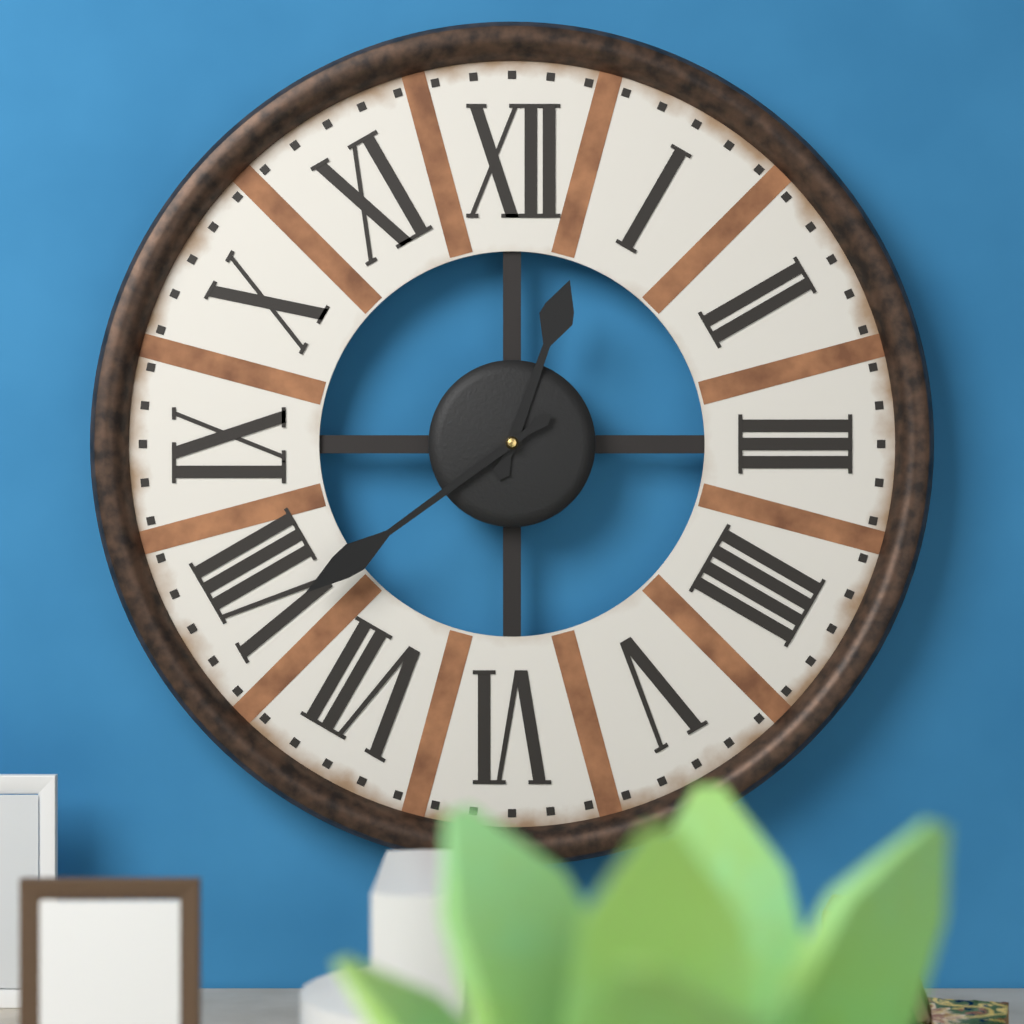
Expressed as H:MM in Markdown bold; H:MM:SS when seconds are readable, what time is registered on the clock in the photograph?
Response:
**12:39**
